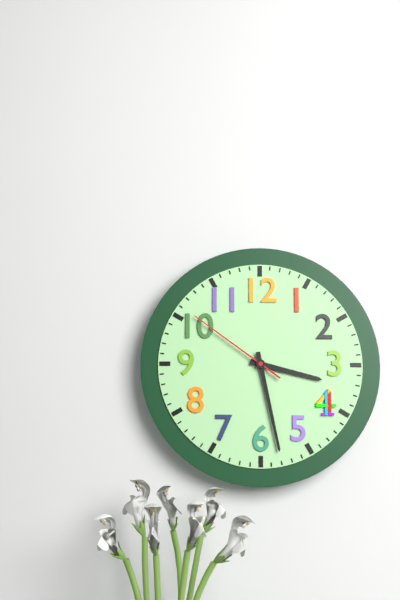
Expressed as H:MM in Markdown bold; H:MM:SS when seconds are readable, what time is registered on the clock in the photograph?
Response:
**3:28:51**
